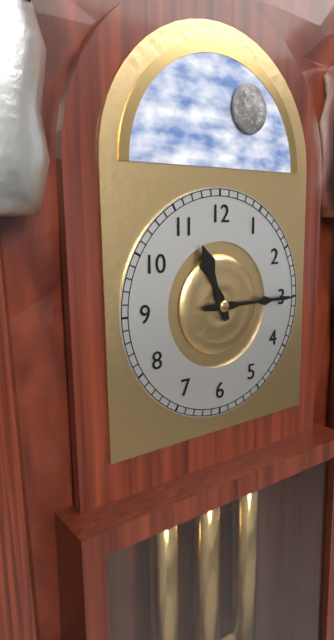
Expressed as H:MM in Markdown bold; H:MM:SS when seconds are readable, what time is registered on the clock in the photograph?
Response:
**11:15**
